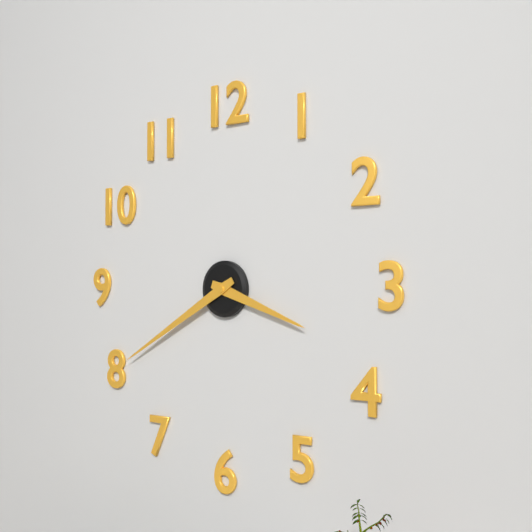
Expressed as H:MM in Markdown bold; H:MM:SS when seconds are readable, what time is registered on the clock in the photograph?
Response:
**3:40**
